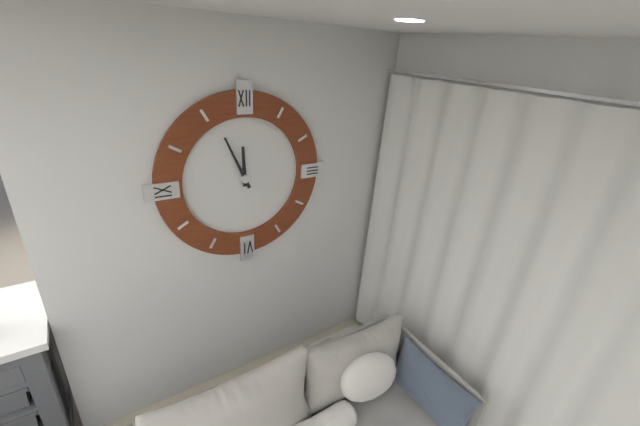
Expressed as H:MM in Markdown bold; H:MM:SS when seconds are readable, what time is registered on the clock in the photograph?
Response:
**11:56**
